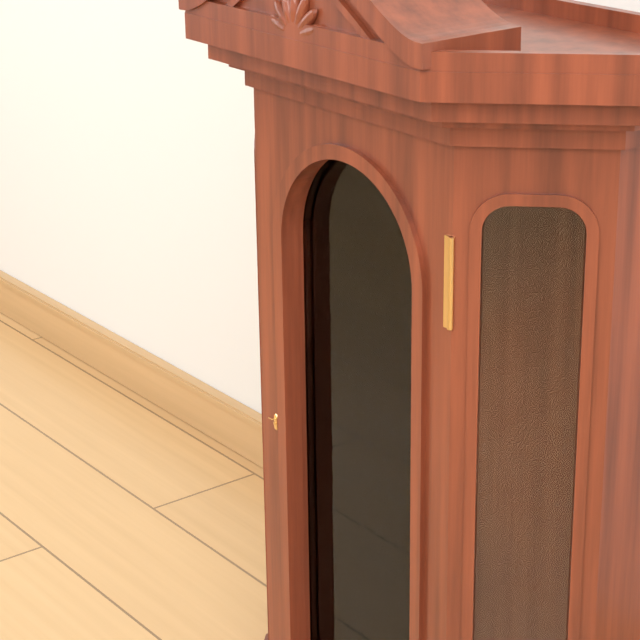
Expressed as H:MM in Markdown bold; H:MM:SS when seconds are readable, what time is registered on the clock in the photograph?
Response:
**5:51**
